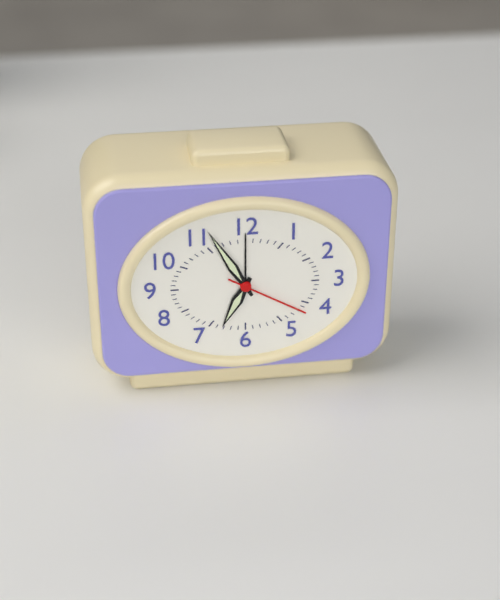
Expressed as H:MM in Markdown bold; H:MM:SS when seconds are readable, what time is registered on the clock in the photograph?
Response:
**6:55:20**
